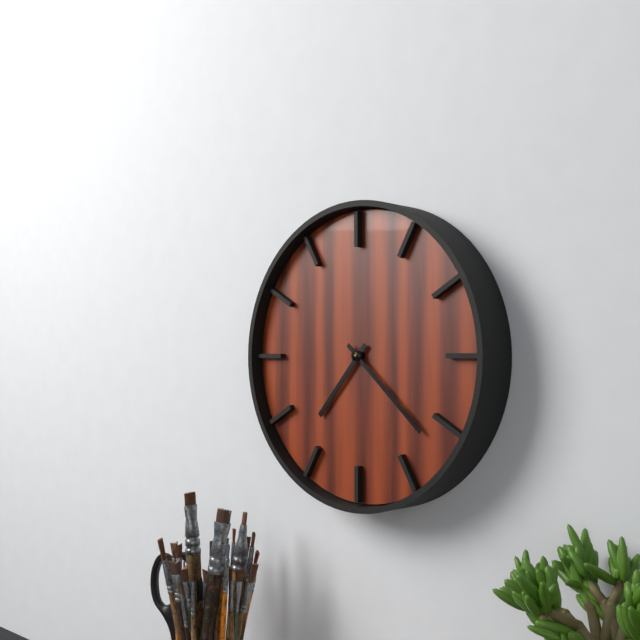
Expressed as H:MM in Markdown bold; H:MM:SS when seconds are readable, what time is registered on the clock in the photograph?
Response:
**7:22**
